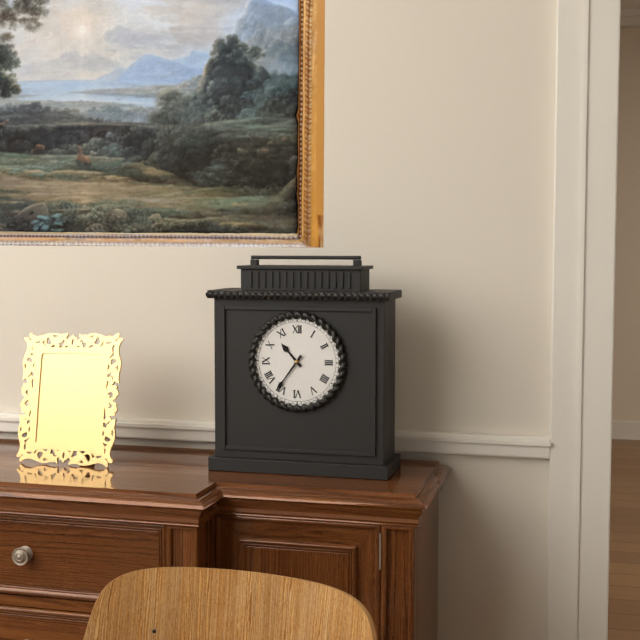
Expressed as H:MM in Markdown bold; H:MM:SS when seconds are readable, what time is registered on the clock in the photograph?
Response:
**10:36**
